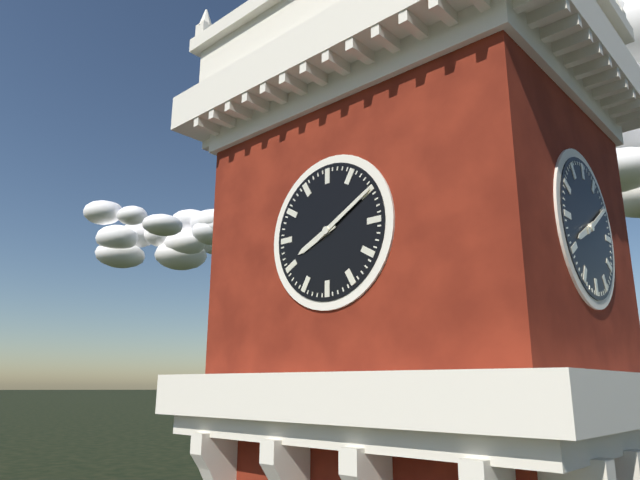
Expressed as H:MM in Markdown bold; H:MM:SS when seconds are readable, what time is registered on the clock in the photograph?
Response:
**8:10**
